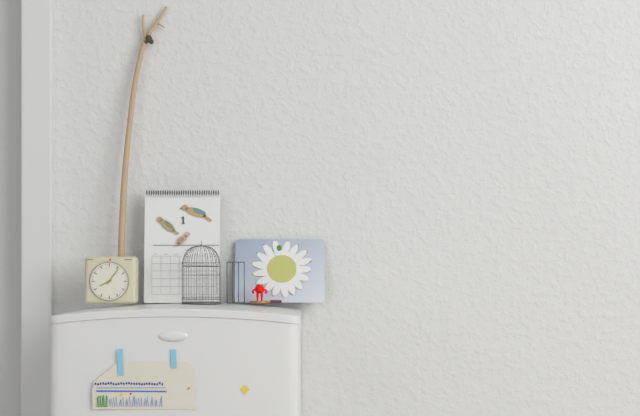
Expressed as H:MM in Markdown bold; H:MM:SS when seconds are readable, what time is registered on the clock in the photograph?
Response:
**8:06**
